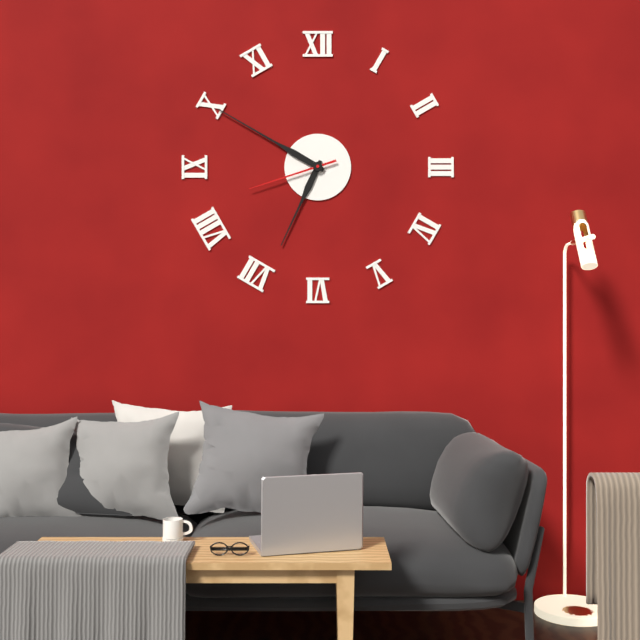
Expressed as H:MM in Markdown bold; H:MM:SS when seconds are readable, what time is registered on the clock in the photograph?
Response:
**6:50:42**
